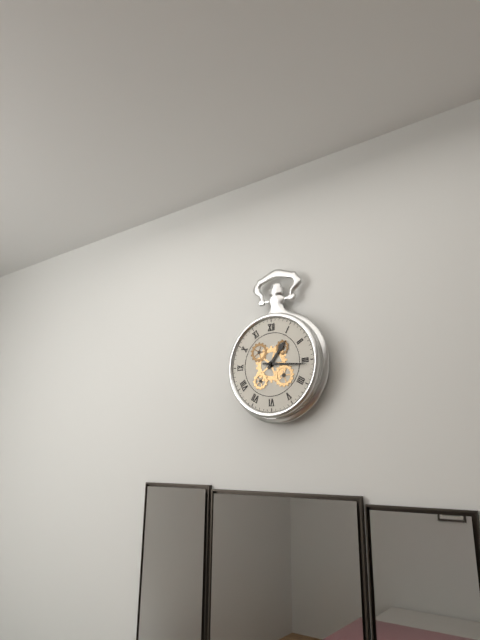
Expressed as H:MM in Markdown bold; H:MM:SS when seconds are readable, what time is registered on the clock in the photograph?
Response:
**1:16**
